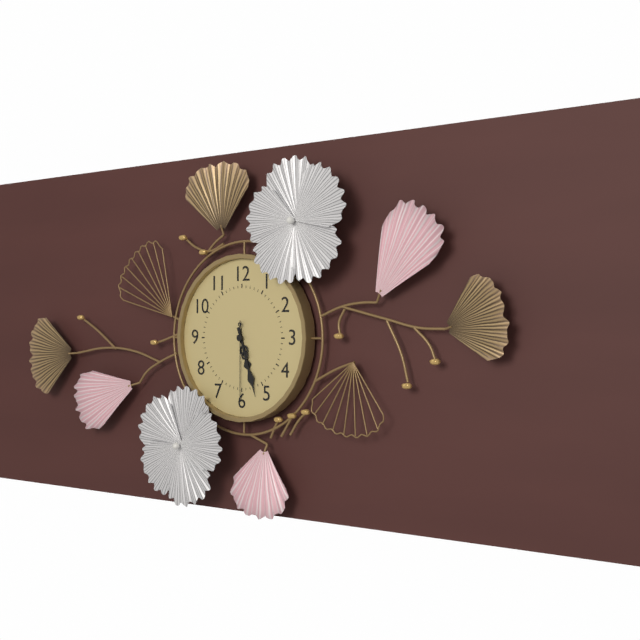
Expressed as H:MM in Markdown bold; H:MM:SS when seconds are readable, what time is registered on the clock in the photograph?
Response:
**5:27:30**
